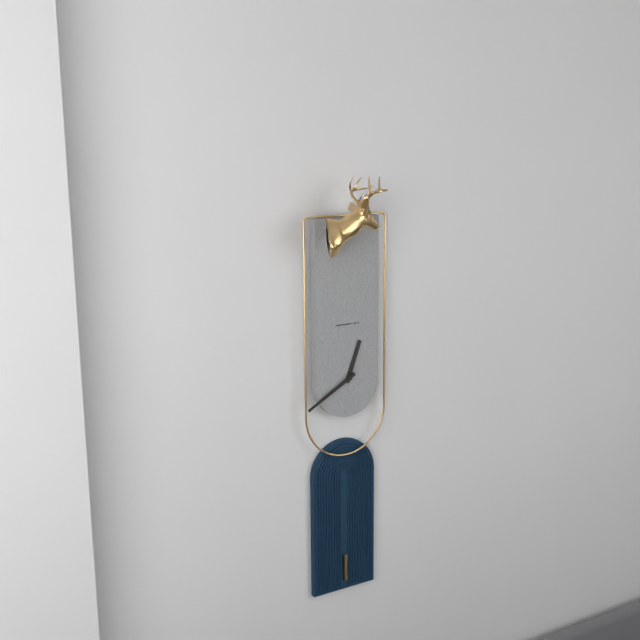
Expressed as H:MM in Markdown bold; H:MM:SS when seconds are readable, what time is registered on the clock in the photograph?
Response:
**12:40**
